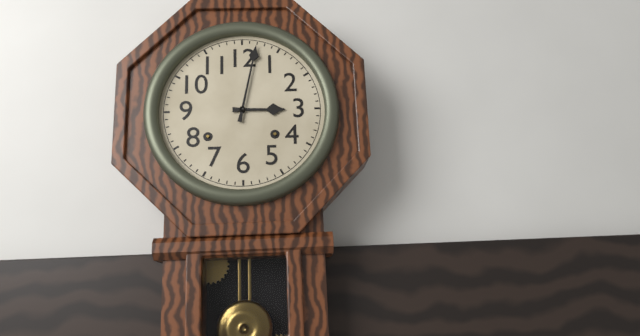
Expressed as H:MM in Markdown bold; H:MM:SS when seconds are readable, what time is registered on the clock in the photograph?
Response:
**3:02**
